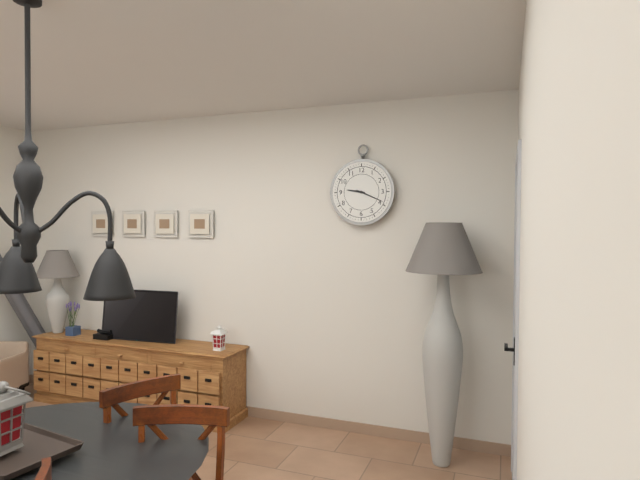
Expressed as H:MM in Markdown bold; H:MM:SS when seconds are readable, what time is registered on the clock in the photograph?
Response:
**9:19**
